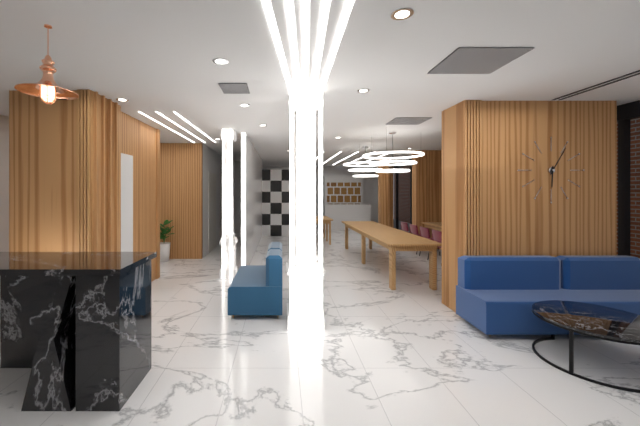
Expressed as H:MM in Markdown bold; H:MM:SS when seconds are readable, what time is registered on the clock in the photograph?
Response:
**6:05**
